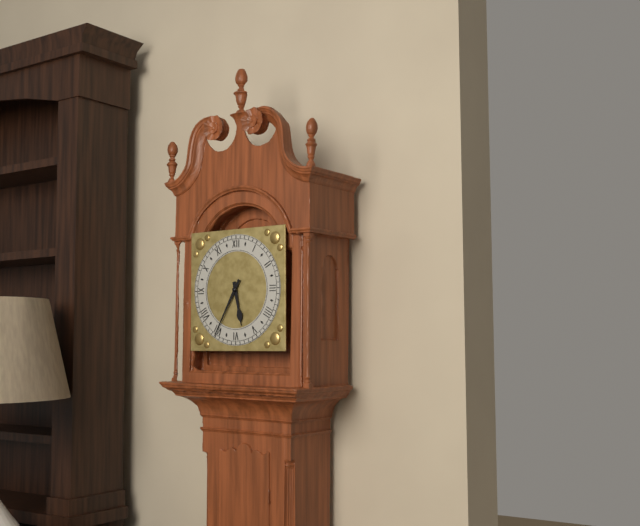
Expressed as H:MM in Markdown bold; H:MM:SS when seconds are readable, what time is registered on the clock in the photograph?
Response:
**5:35**
